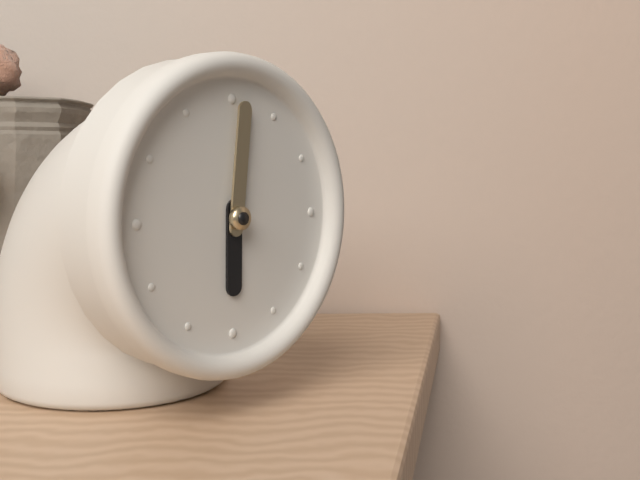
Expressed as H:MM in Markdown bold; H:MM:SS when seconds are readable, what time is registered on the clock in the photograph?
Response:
**6:01**
